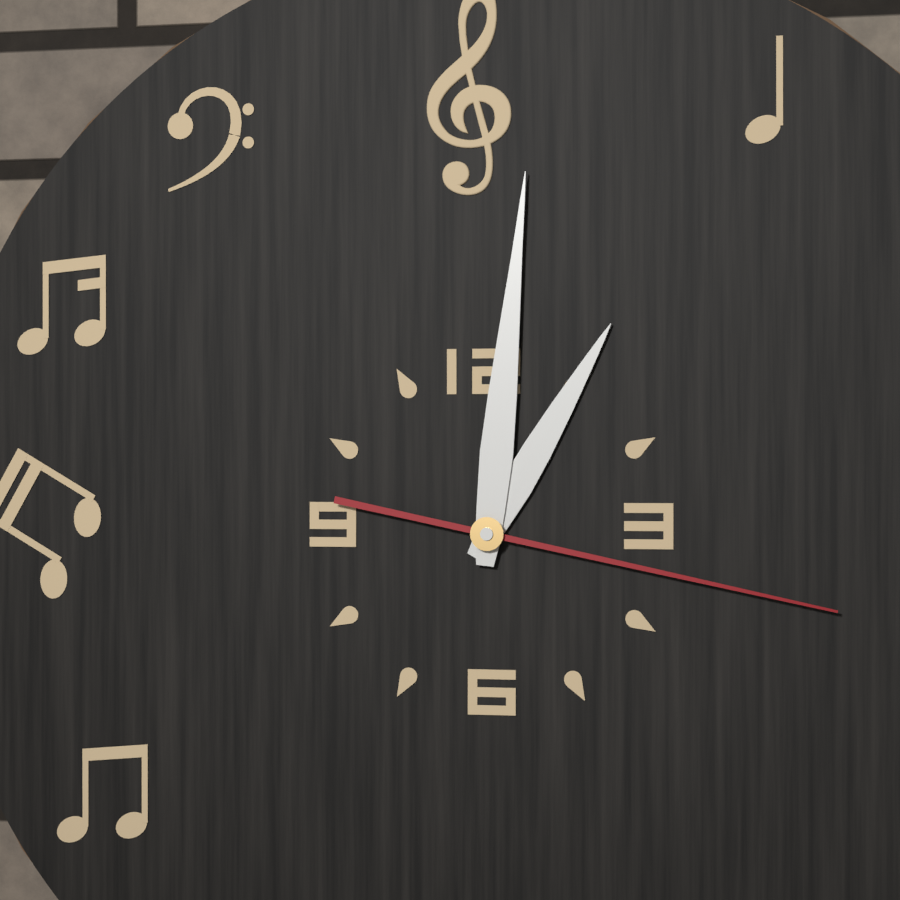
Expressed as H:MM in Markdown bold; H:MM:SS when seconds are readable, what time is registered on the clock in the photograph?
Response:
**1:01:17**
